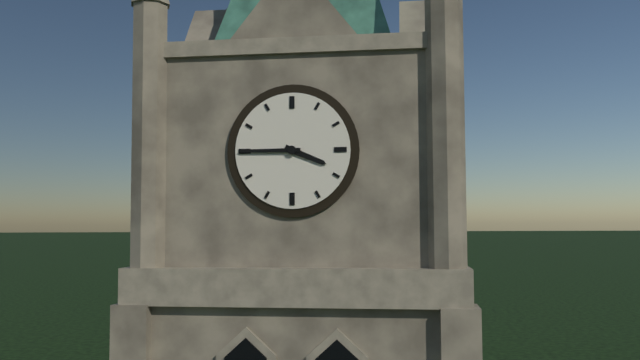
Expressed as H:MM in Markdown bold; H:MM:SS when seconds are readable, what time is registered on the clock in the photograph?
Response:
**3:45**
